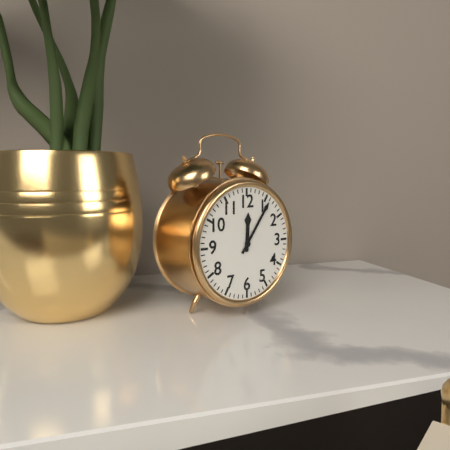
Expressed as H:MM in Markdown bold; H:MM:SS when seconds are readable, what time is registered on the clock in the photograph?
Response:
**12:06**
